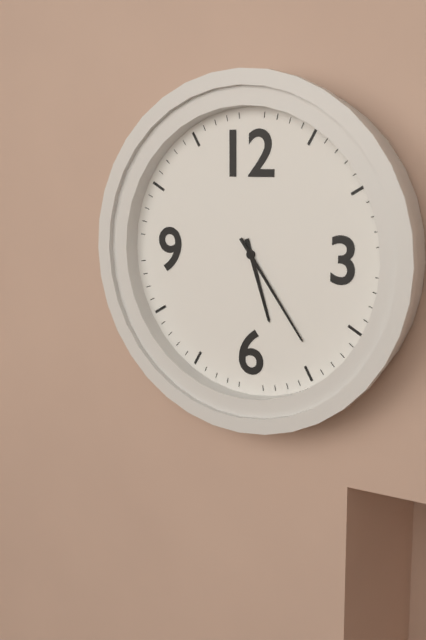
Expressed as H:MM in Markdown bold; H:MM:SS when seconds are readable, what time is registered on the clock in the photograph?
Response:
**5:24**
